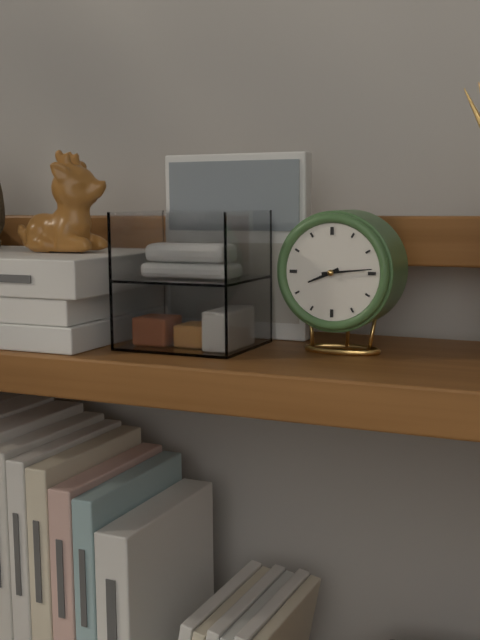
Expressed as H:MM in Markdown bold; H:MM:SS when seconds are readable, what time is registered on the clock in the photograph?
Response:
**8:14**
